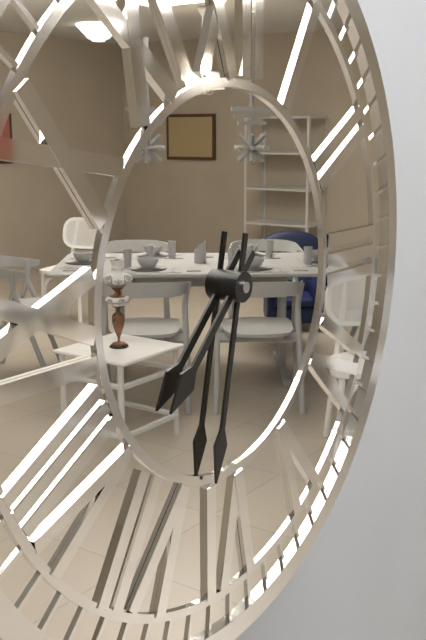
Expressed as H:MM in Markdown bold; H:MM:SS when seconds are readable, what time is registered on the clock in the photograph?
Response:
**7:32**
